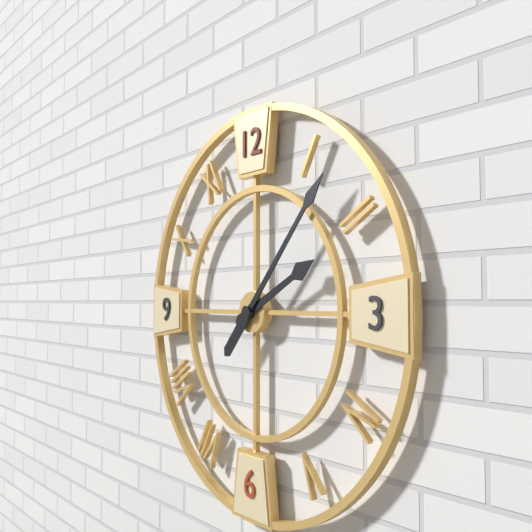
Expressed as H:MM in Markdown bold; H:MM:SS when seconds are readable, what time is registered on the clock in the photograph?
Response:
**2:07**
